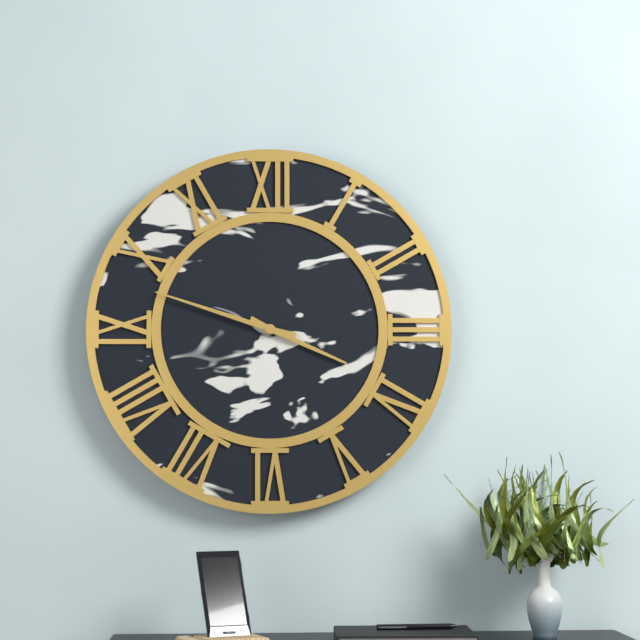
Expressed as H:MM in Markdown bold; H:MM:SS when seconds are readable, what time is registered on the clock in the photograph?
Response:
**3:48**
